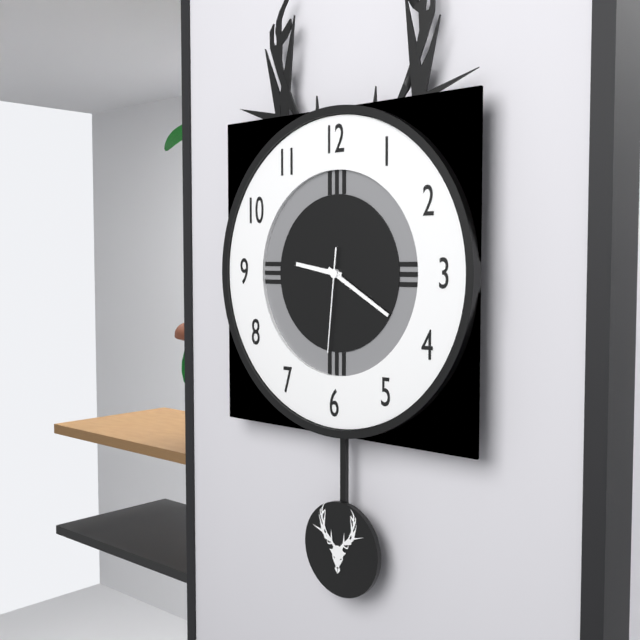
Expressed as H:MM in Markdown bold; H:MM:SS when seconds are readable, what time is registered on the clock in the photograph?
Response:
**9:20:31**
